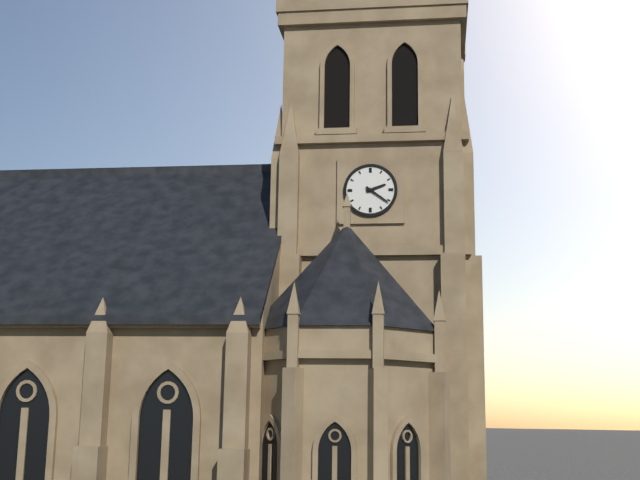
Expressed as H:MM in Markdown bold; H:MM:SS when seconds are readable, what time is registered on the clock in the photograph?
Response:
**2:21**
